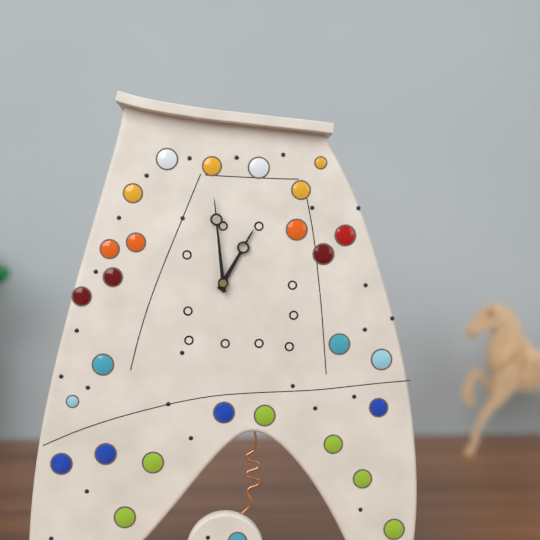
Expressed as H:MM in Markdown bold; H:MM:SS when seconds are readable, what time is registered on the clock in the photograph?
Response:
**12:59**
